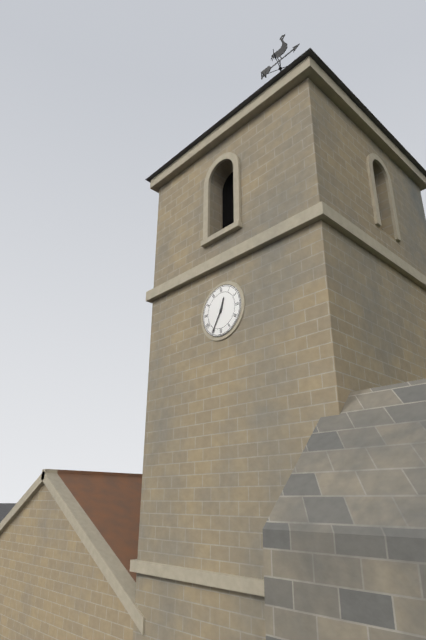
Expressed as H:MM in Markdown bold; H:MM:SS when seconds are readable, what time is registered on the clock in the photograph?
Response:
**12:35**
